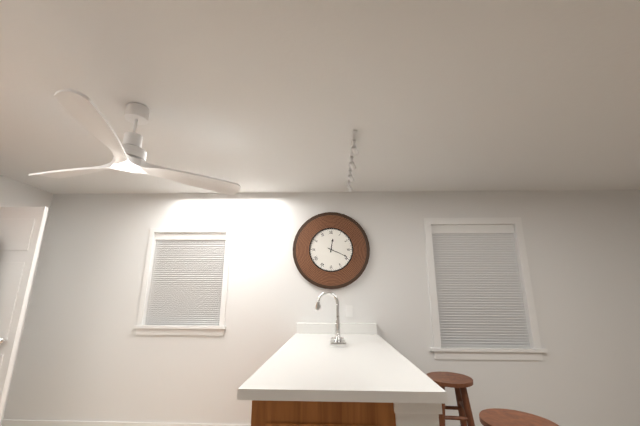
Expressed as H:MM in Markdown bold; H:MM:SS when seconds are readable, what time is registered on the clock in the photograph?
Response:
**12:19**
